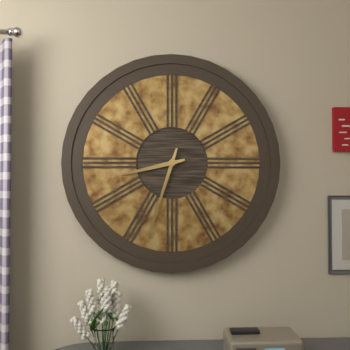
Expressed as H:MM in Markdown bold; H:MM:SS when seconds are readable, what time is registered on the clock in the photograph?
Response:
**8:33**
